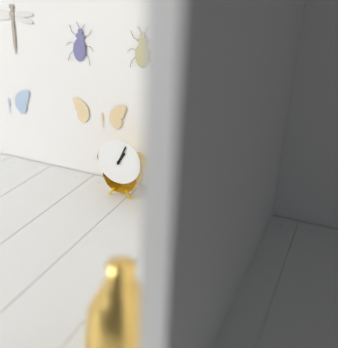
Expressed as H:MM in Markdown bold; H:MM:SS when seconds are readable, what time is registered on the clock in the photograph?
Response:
**1:04**
